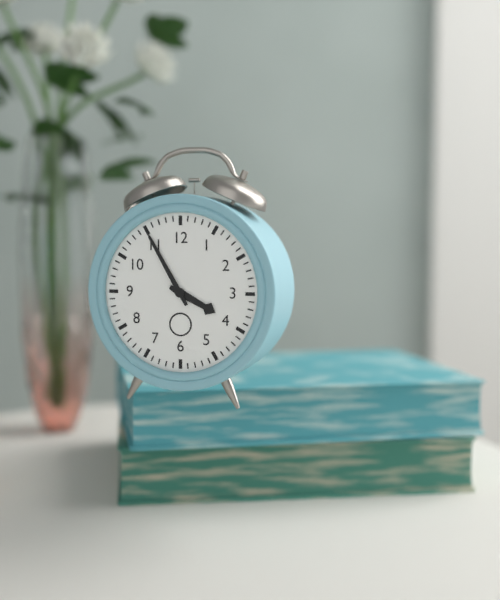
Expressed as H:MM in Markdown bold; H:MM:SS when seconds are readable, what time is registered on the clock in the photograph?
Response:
**3:55**
